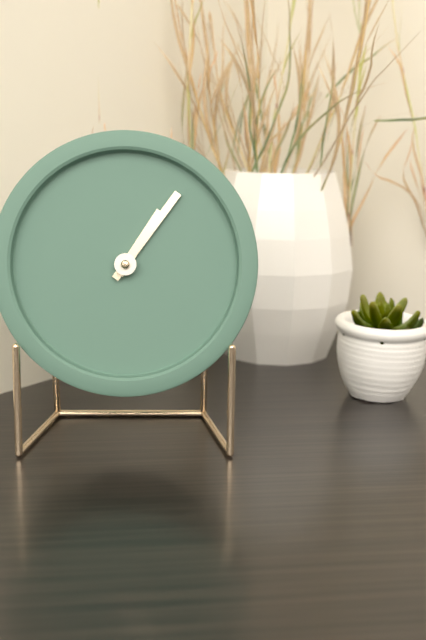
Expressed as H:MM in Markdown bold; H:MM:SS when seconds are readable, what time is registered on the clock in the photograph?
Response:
**1:06**
